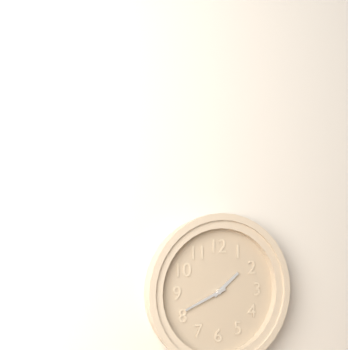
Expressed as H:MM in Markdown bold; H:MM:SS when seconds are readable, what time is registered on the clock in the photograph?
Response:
**1:41**
